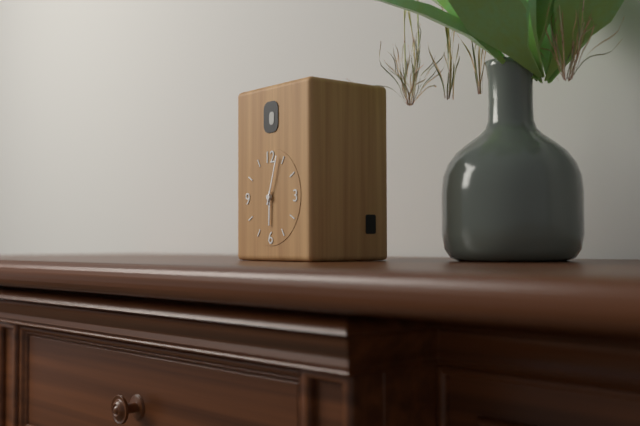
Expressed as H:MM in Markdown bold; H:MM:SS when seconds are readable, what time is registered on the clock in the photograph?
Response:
**6:03**
